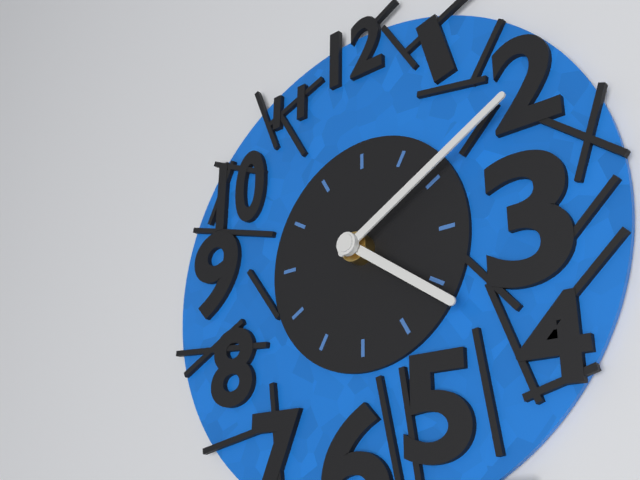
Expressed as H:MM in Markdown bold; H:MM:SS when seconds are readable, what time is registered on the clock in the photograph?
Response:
**4:10**
